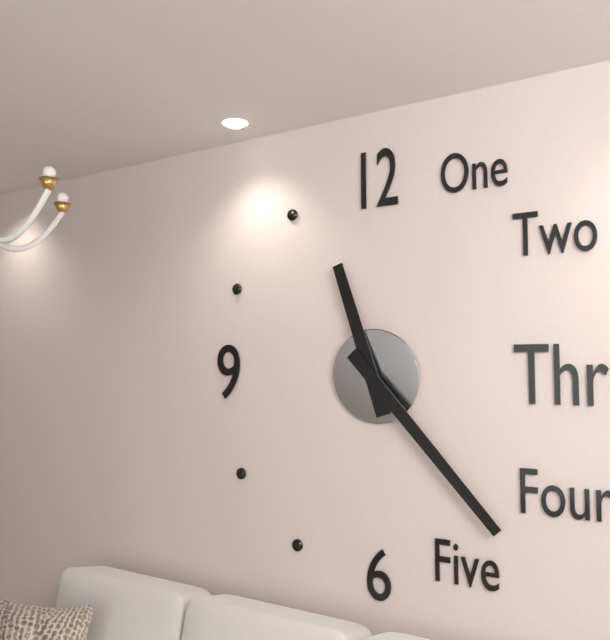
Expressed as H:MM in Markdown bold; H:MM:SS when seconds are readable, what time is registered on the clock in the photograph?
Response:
**11:23**
